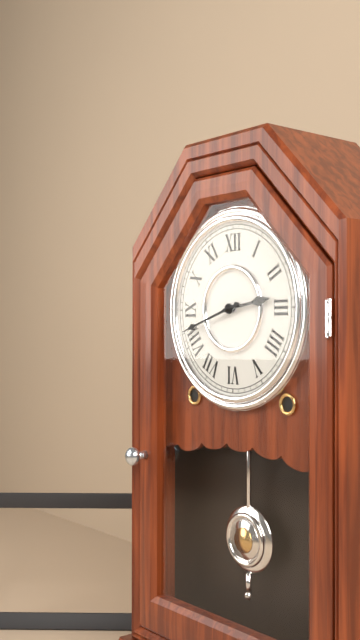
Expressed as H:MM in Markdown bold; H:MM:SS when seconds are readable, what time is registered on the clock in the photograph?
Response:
**2:42**
